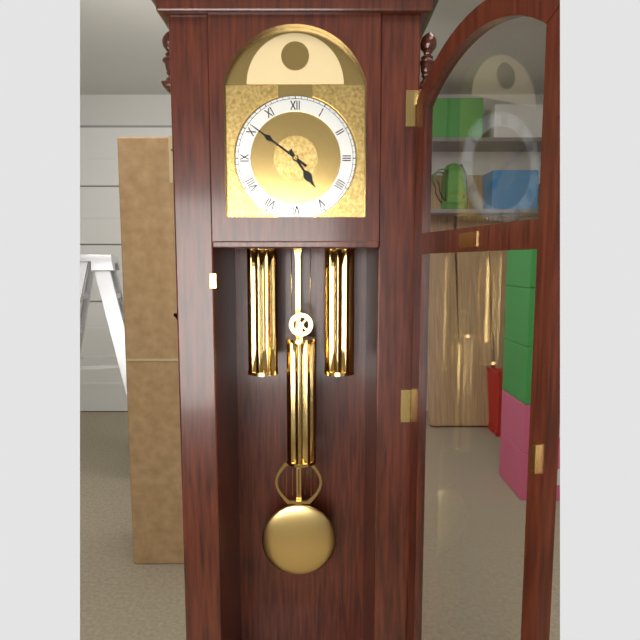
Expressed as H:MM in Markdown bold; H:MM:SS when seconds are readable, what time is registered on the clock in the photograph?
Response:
**4:51**
